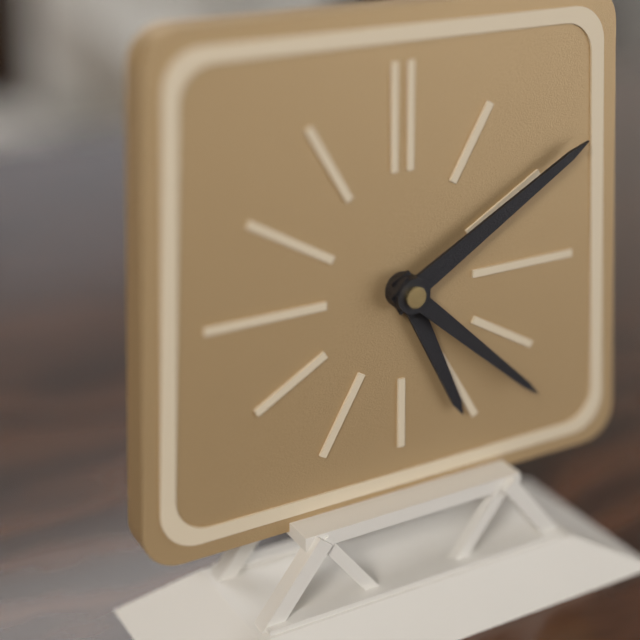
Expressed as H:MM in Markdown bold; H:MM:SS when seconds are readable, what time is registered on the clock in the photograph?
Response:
**5:10:22**
